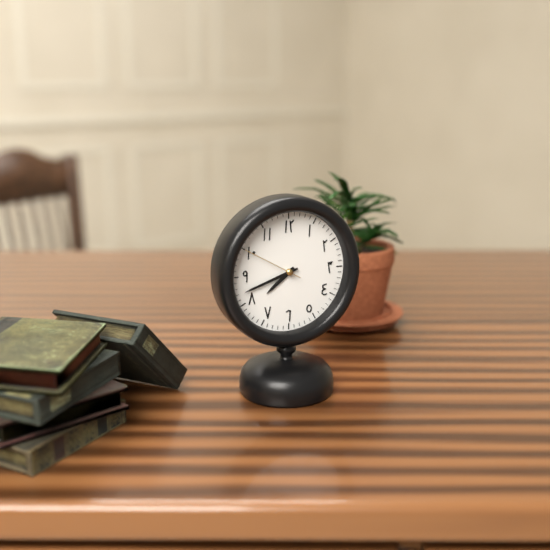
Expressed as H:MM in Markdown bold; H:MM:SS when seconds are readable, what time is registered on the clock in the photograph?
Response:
**7:42:50**
